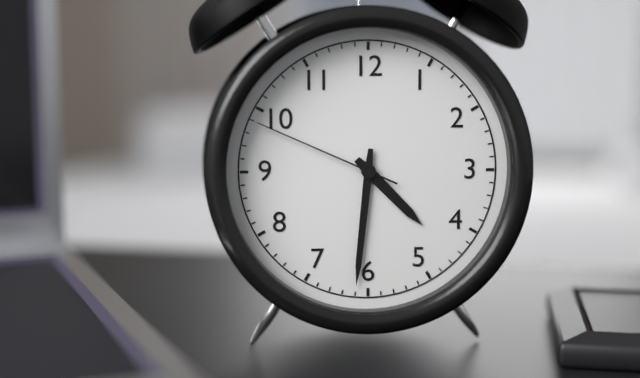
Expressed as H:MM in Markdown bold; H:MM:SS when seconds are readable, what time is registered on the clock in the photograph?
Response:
**4:31:49**
